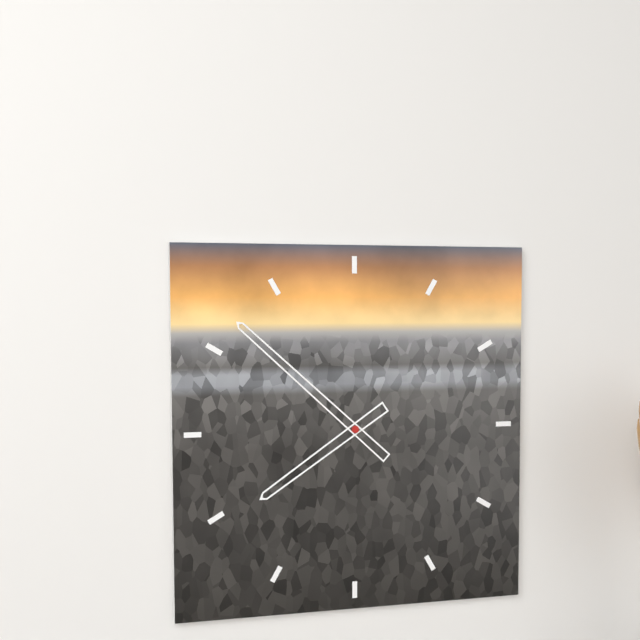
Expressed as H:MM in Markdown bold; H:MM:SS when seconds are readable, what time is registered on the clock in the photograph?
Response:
**7:52**
